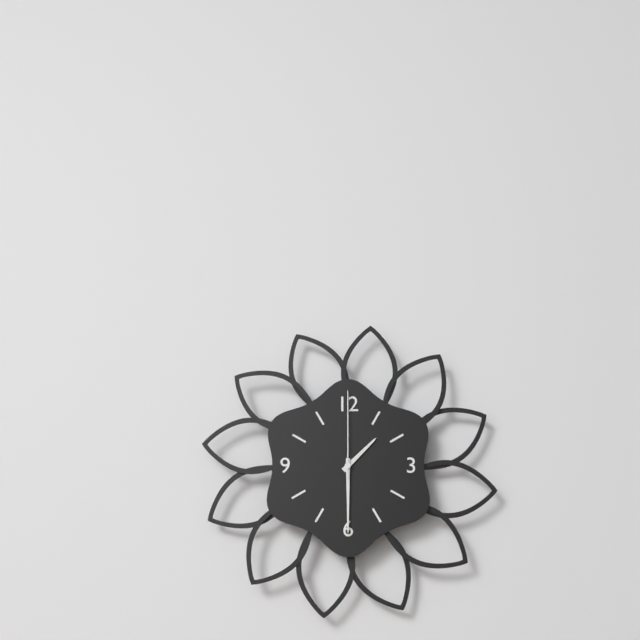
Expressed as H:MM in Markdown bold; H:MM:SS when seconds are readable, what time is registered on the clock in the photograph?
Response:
**1:30:00**
